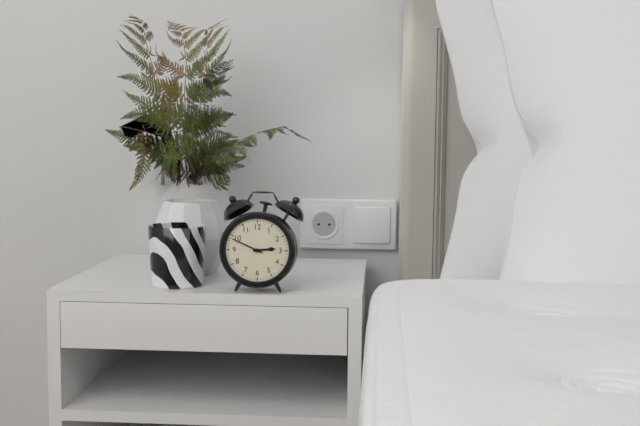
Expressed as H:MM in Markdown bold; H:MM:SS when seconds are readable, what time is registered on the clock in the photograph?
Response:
**2:49**
